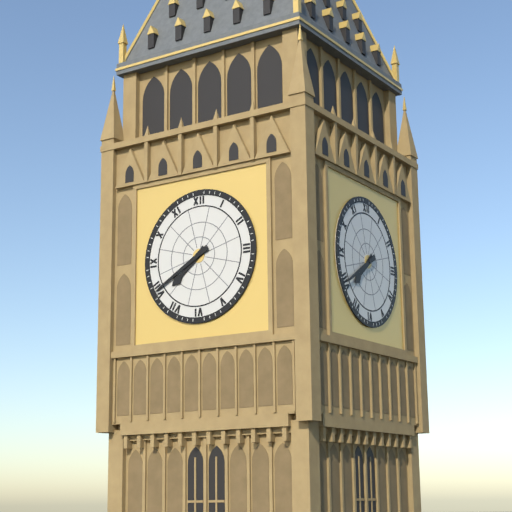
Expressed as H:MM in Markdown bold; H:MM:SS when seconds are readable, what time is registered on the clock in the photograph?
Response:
**7:40**
